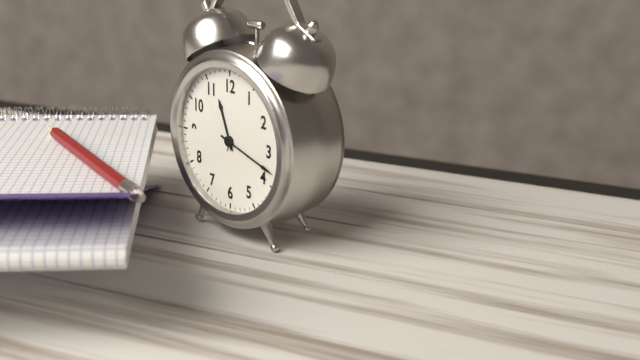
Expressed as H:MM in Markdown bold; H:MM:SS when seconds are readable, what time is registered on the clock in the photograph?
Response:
**11:18**
